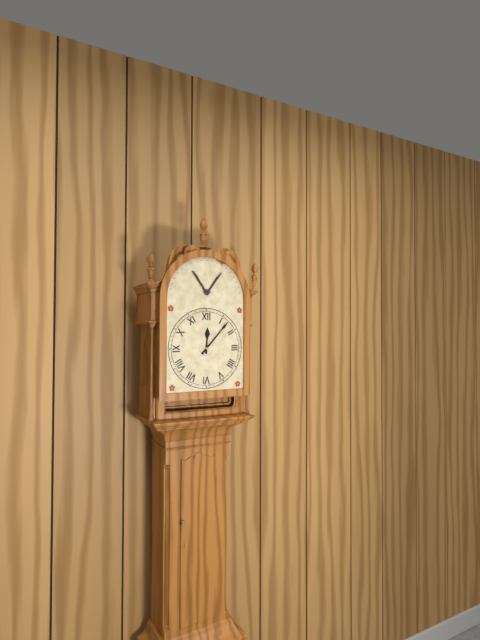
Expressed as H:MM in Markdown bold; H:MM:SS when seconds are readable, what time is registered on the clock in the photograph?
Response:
**12:07**
